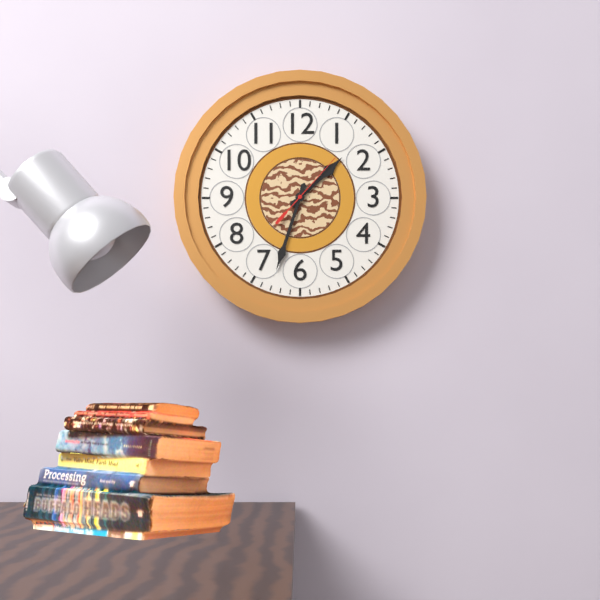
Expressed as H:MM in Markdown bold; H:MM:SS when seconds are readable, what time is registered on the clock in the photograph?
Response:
**1:33:07**
